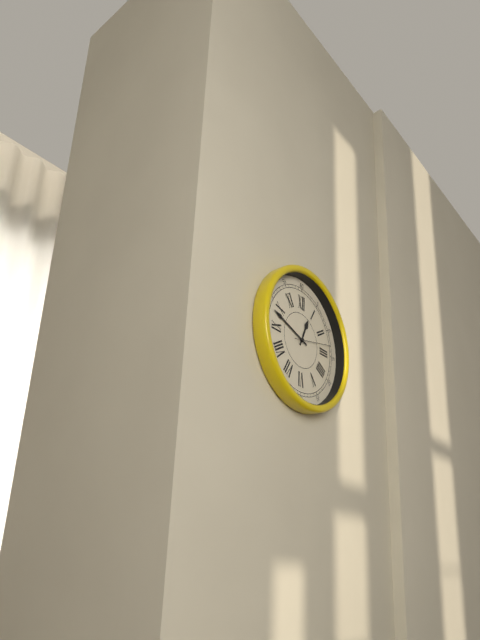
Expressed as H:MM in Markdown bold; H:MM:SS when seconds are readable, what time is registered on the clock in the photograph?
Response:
**12:48**
